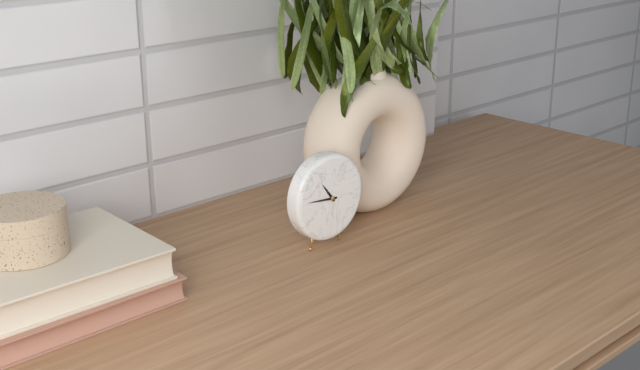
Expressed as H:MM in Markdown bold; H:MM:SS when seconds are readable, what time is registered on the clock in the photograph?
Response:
**10:46**
